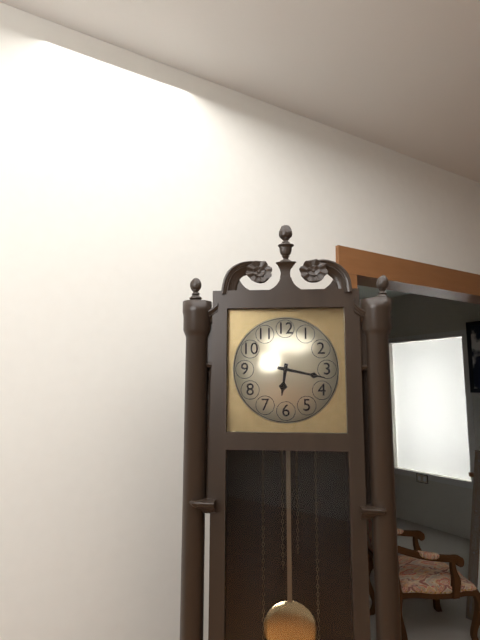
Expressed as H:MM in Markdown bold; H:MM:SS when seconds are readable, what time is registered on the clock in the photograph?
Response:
**6:17**
